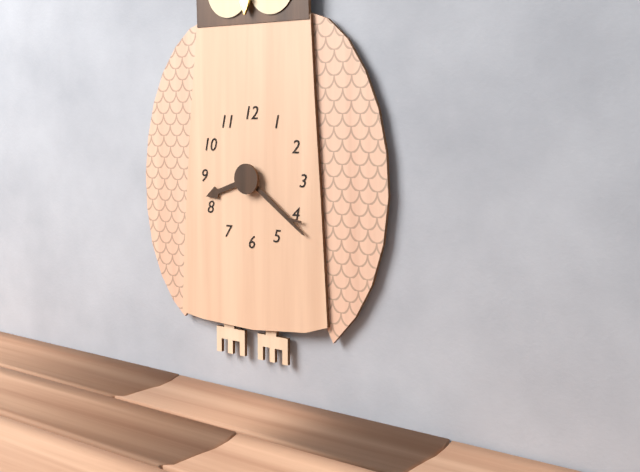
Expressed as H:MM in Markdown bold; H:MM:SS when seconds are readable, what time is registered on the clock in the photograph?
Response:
**8:21**
